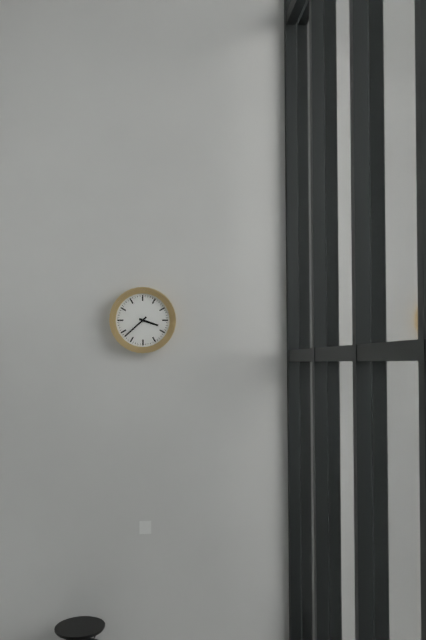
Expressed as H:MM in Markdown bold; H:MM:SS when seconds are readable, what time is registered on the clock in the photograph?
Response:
**3:38**
